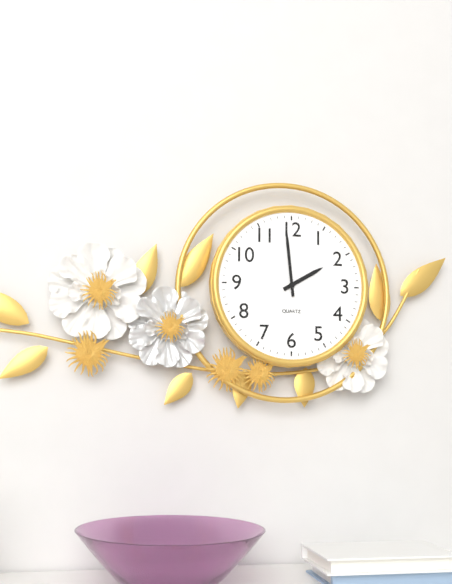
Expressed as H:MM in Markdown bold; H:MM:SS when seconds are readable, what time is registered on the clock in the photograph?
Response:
**1:59**
